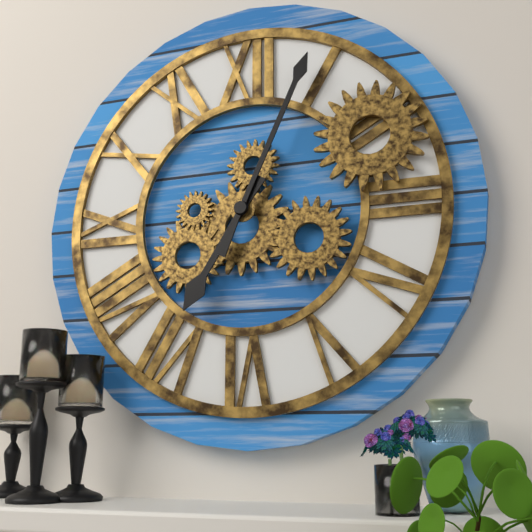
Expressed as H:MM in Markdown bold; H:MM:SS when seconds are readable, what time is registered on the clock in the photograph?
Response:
**7:04**
